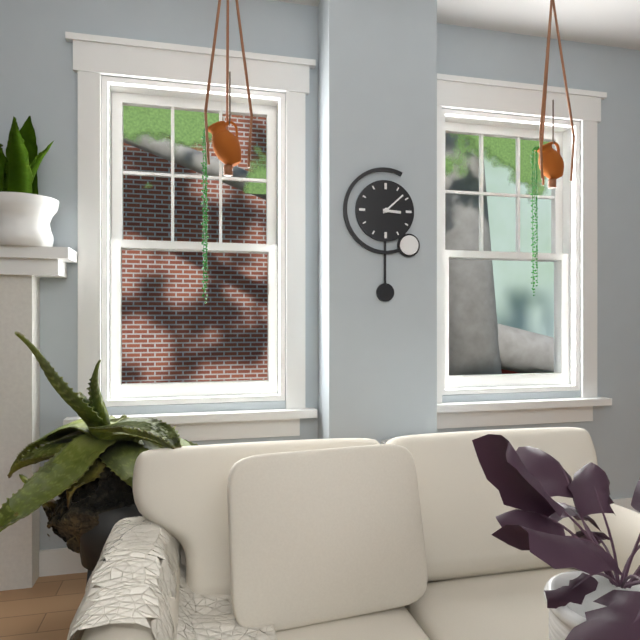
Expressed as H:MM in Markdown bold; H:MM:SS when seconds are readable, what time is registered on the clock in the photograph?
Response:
**3:08**
